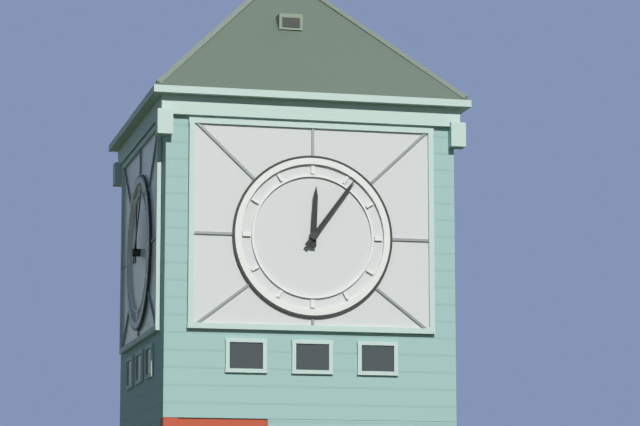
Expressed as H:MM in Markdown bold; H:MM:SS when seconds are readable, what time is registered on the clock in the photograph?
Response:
**12:06**
